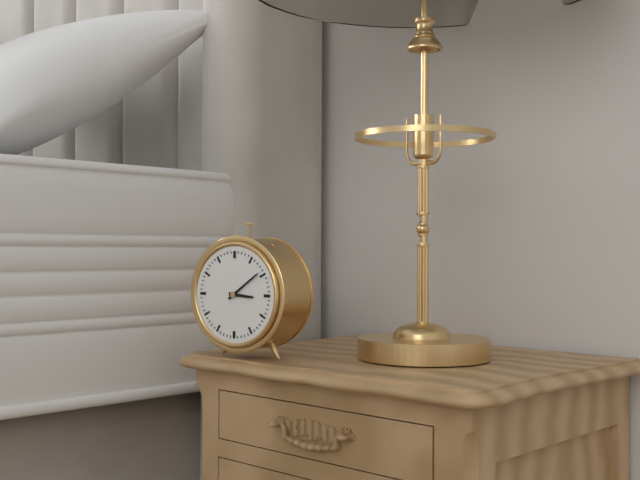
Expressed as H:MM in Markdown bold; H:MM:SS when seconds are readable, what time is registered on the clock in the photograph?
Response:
**3:09**
